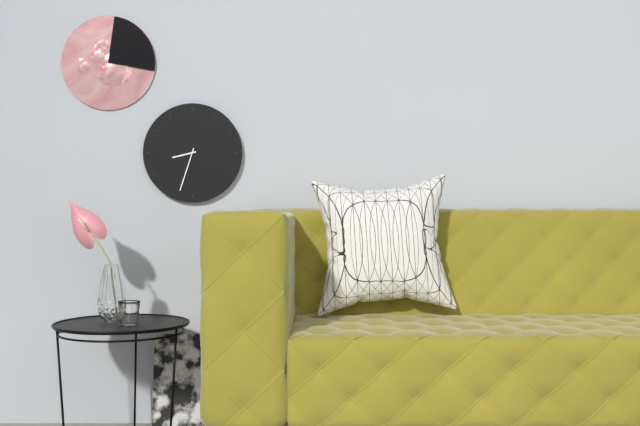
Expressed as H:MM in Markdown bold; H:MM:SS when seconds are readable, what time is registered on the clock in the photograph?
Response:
**8:33**
